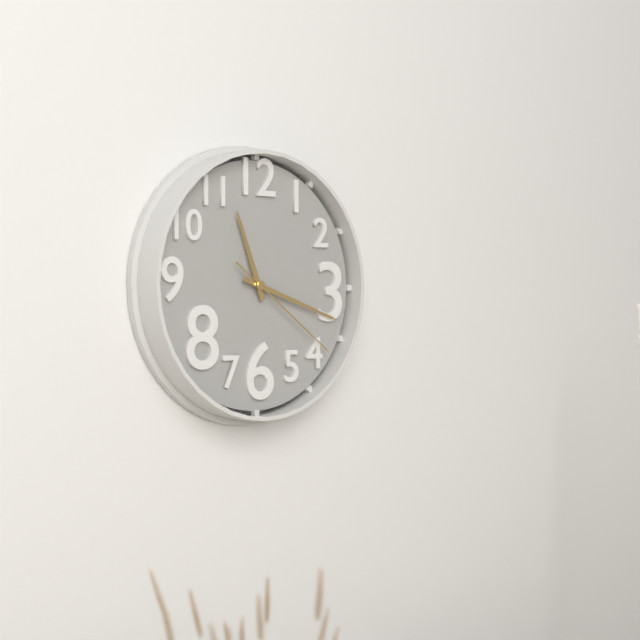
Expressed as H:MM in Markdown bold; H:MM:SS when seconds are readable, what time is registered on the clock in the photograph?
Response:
**11:18:21**
